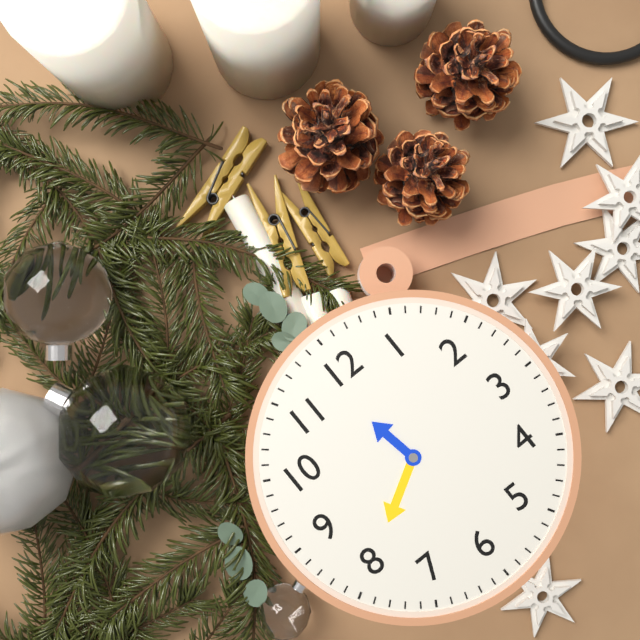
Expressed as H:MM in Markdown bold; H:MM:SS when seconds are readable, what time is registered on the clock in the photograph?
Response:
**11:40**
